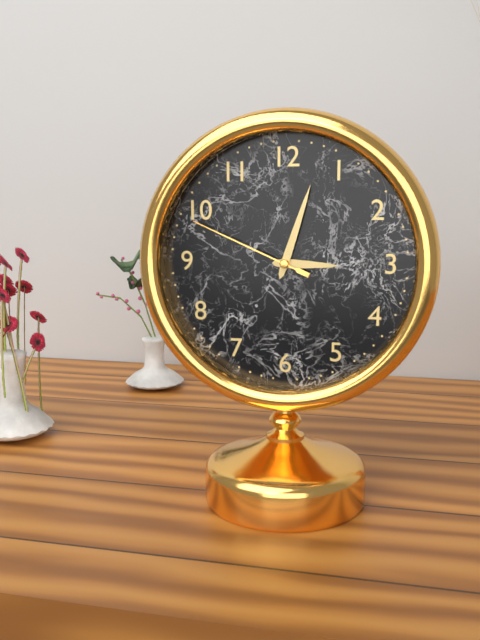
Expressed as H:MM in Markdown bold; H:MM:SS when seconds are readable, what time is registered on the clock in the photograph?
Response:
**3:03:49**
